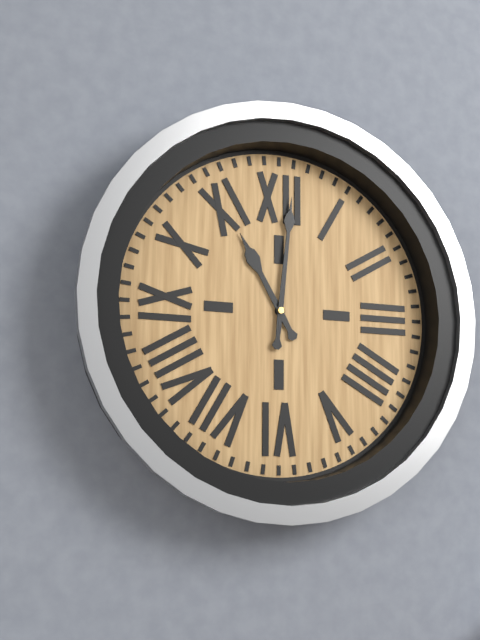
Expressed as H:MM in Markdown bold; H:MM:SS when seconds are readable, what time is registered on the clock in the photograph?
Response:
**11:01**
